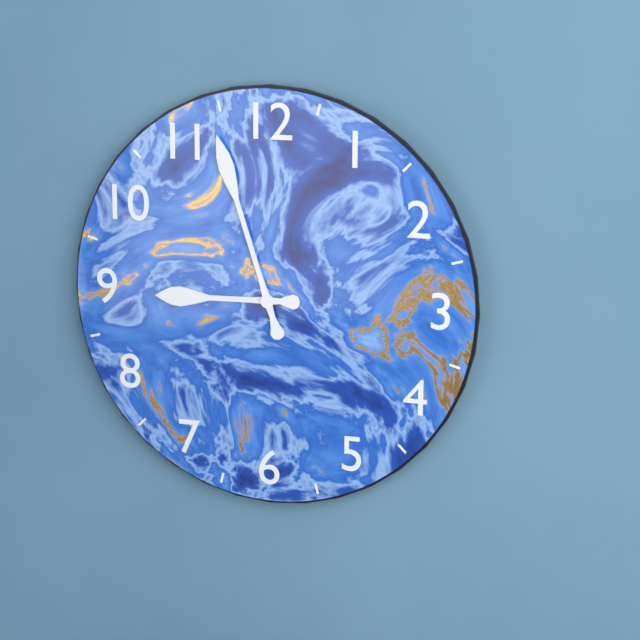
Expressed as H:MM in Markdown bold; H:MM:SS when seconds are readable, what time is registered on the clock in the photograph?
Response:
**8:57**
